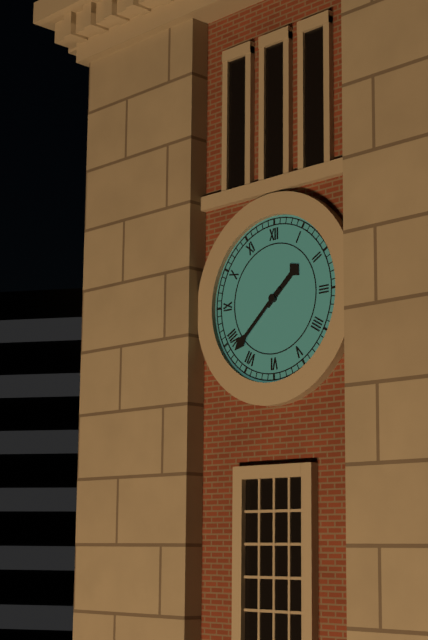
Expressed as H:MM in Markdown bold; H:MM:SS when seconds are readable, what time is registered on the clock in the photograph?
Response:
**1:38**
